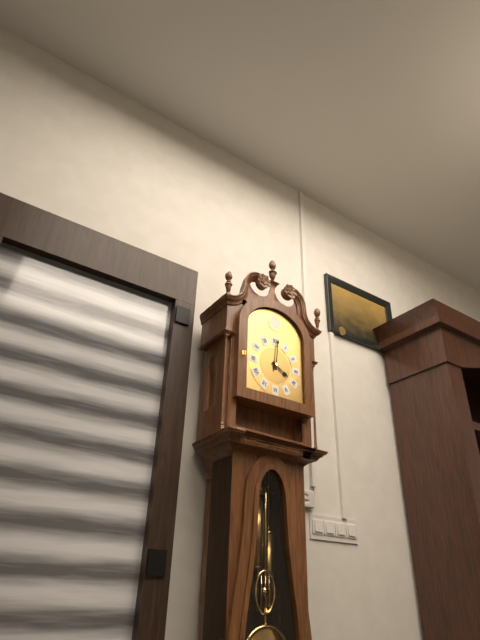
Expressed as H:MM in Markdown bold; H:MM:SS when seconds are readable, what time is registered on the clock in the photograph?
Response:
**4:01**
